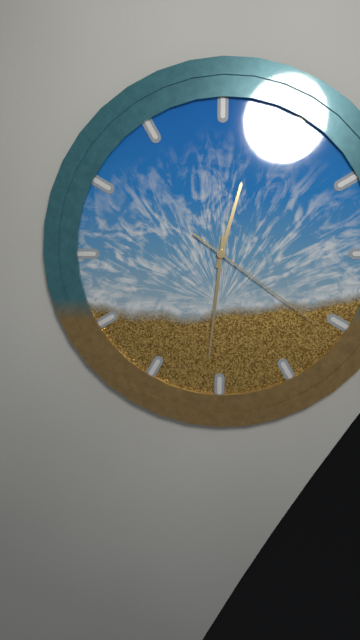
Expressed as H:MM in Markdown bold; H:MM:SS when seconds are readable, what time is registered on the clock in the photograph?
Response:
**12:31:21**
